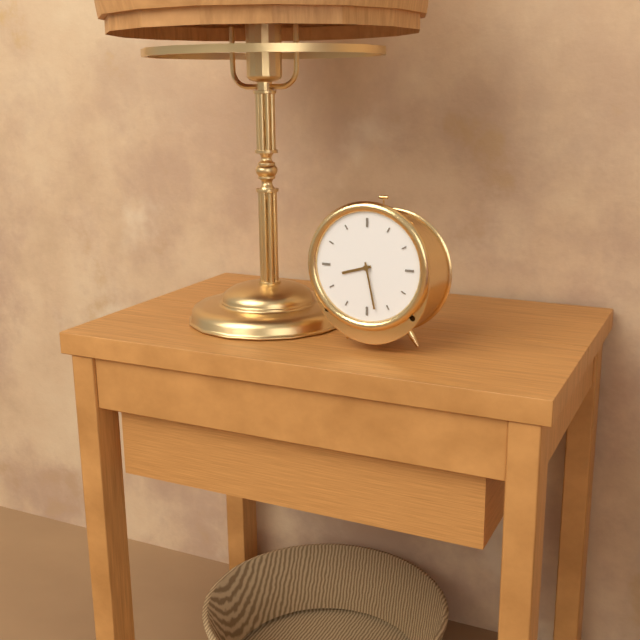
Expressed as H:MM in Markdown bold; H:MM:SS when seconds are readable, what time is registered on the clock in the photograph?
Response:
**8:28**
